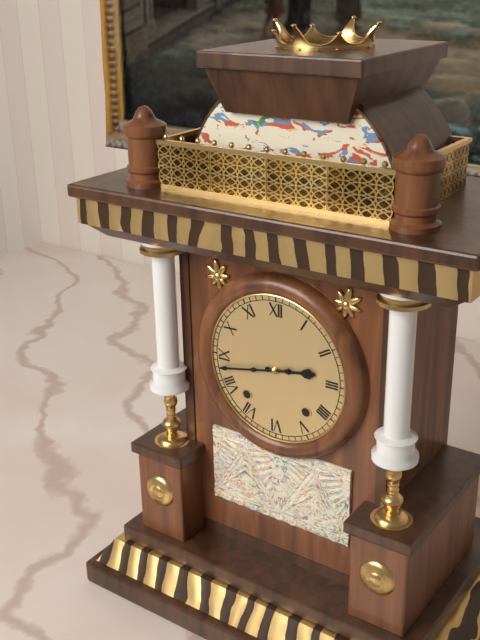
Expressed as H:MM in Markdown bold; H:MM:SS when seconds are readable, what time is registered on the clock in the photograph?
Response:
**2:43**
